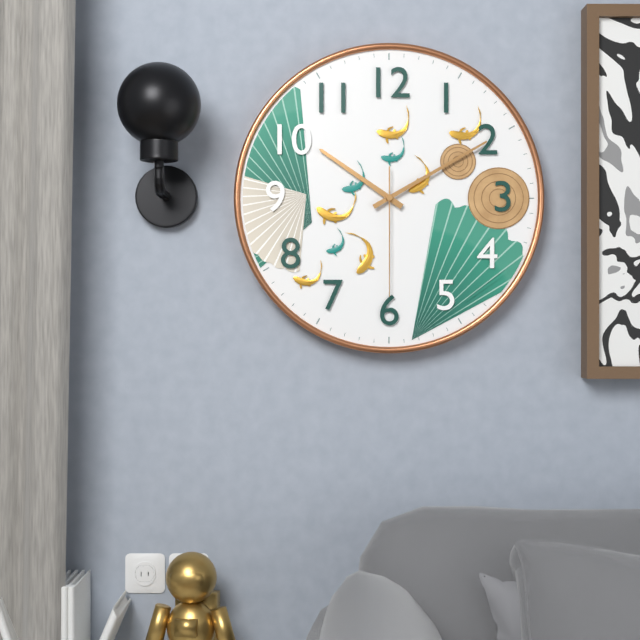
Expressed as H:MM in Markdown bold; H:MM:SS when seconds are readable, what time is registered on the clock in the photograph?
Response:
**10:10:30**
